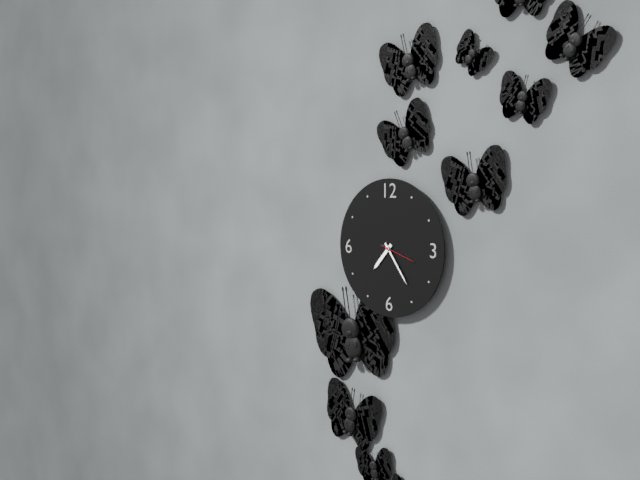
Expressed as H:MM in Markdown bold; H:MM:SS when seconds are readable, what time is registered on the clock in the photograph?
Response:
**7:24**
